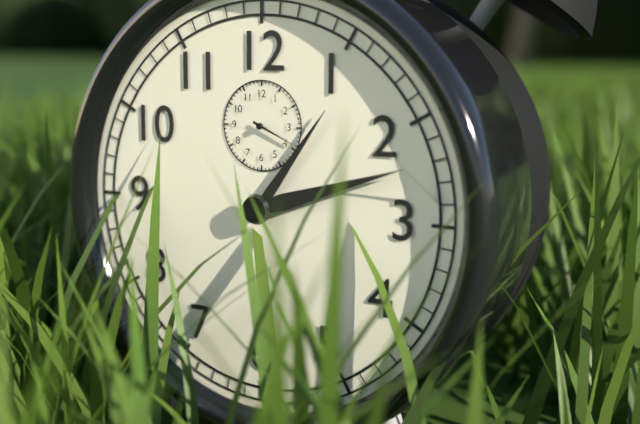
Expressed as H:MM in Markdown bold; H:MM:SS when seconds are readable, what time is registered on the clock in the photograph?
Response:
**1:12**
